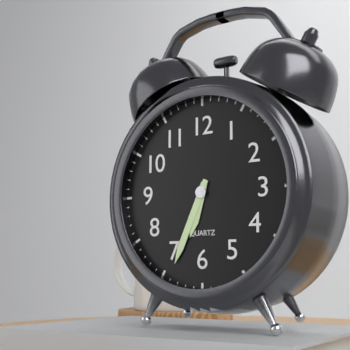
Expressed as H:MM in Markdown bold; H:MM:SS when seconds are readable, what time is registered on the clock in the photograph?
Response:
**6:34**
